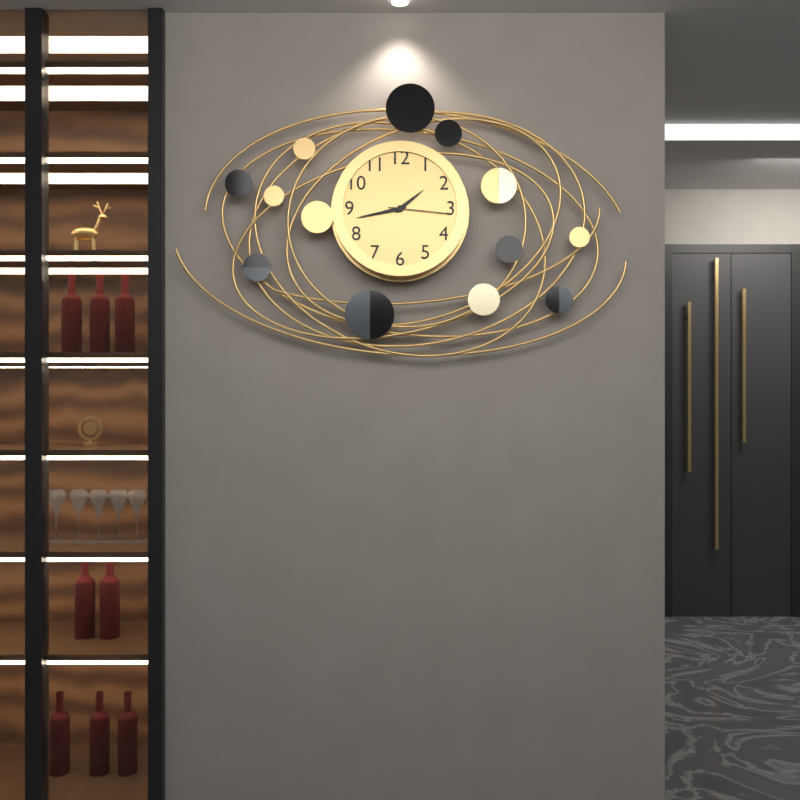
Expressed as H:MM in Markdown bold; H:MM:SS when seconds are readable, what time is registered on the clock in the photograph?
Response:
**1:43:16**
